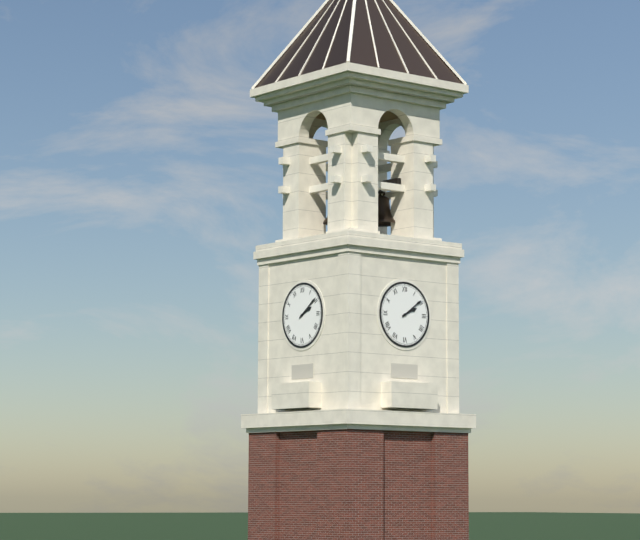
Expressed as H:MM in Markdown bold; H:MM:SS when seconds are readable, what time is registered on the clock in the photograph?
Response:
**2:09**
